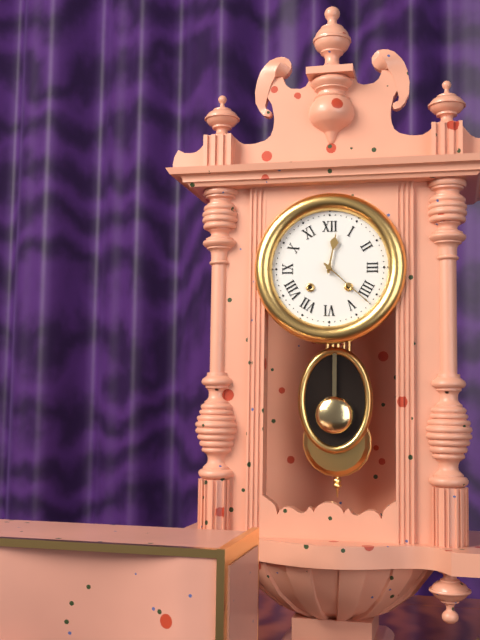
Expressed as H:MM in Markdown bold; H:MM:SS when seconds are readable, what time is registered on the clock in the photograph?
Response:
**12:22**
